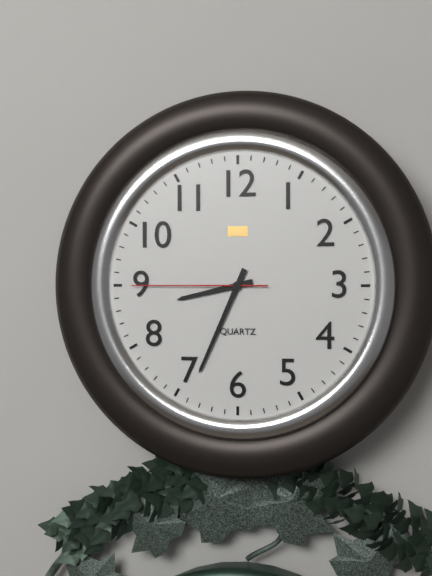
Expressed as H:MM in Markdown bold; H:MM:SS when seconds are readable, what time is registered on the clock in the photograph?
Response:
**8:34:45**
